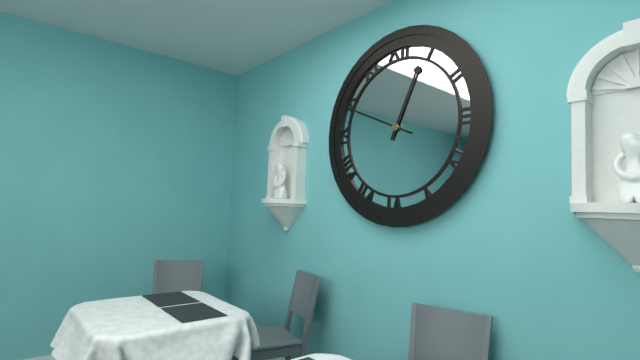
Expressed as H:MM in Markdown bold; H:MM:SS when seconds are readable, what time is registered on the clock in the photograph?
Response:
**12:49**
